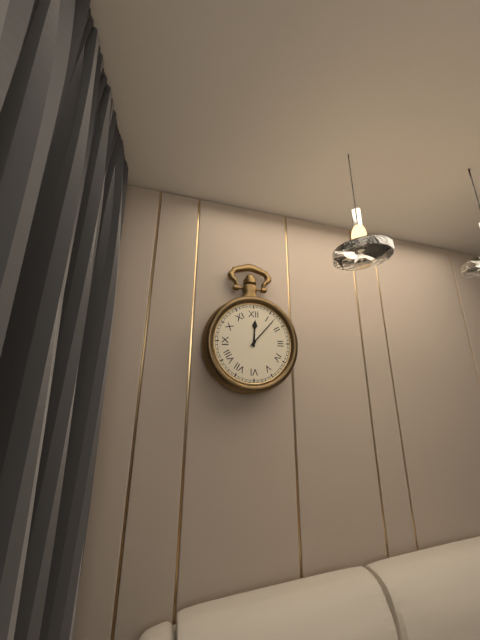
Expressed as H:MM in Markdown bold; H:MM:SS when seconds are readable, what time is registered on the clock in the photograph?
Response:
**12:07**
